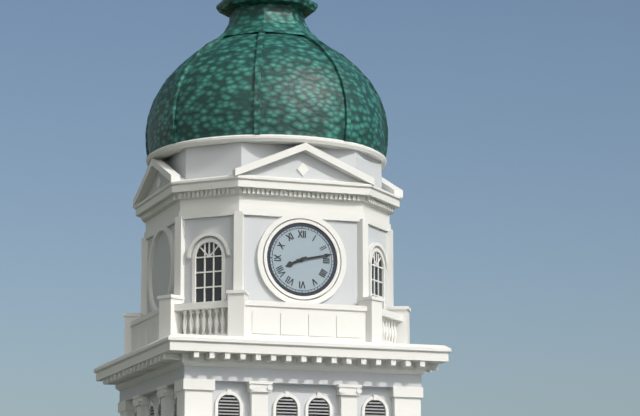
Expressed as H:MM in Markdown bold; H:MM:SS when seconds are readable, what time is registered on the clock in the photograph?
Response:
**8:13**
